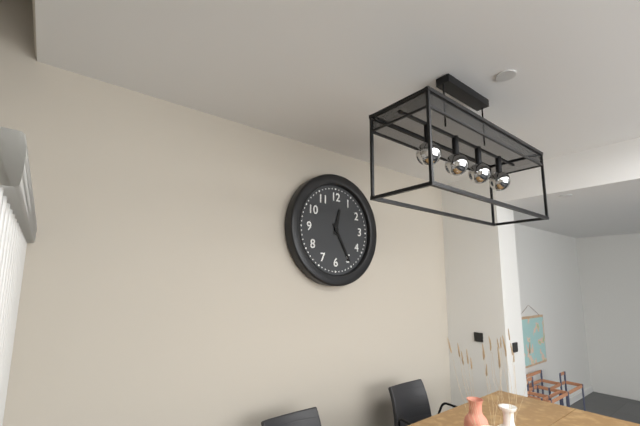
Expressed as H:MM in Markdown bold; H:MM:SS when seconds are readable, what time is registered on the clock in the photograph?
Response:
**12:25**
